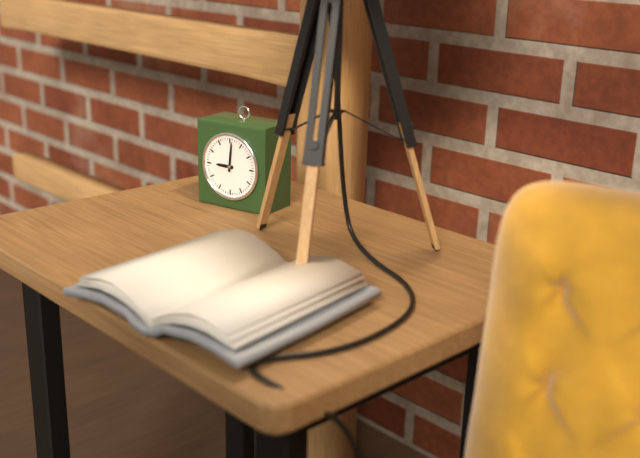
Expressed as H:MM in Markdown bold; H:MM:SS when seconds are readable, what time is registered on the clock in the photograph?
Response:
**9:01**
